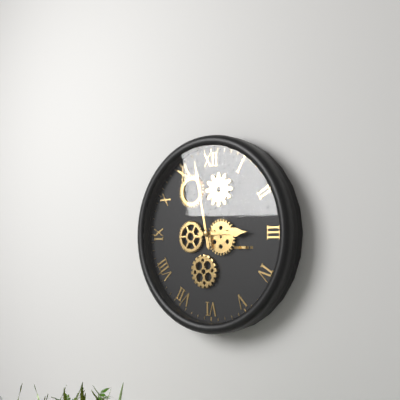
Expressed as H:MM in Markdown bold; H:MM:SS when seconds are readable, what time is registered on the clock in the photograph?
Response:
**2:58**
